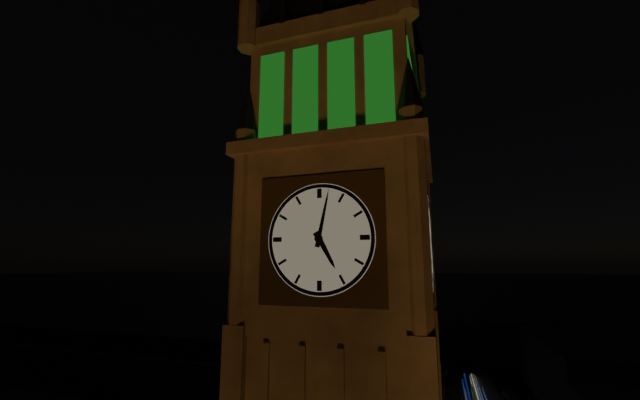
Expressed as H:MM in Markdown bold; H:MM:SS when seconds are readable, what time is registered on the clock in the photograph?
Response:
**5:02**
